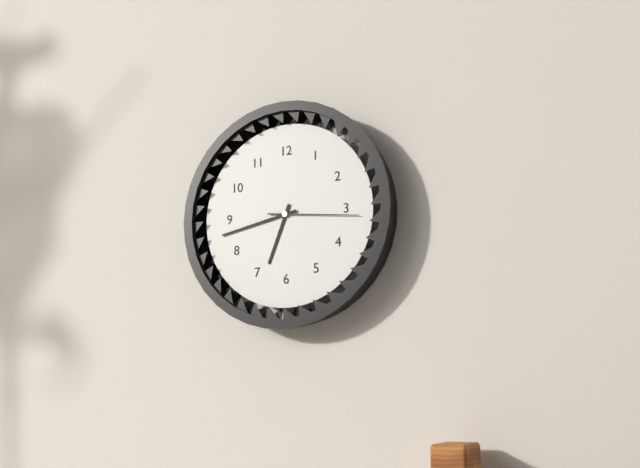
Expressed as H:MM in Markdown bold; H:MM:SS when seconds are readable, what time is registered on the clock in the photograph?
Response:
**6:43:16**
